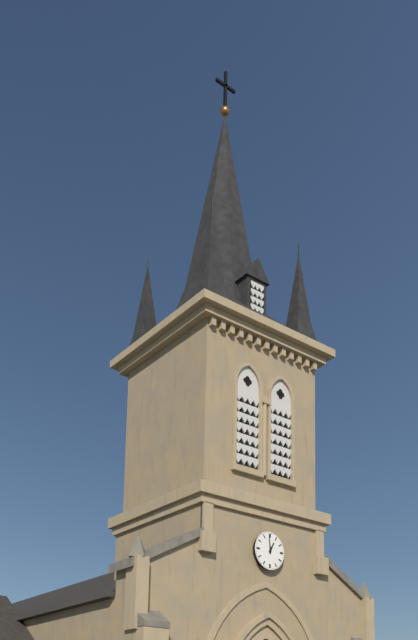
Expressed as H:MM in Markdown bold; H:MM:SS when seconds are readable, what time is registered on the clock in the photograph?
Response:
**12:59**
